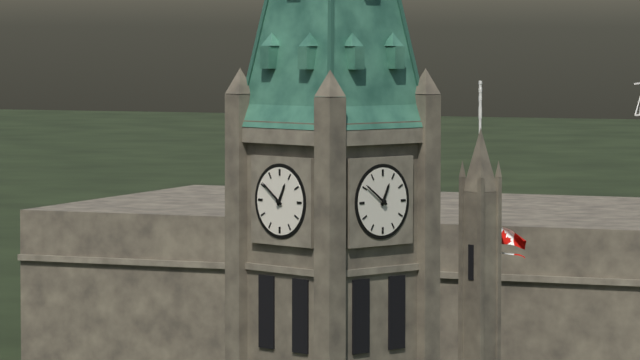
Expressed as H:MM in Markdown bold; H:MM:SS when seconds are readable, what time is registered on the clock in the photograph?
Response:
**12:51**
